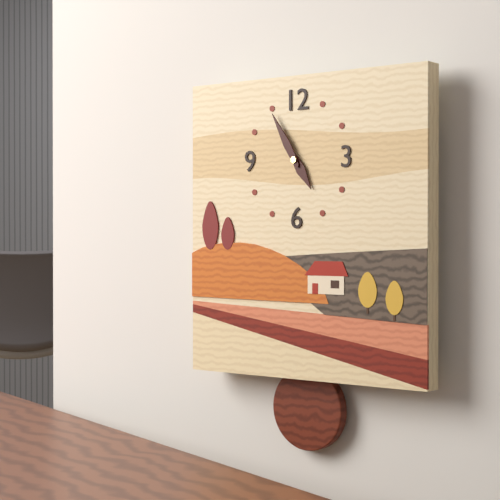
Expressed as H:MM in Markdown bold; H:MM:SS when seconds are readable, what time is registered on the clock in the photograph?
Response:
**4:55**
